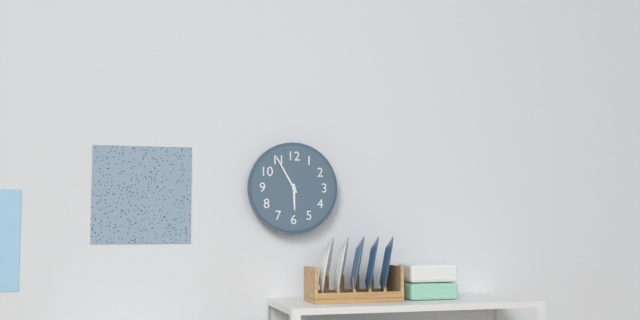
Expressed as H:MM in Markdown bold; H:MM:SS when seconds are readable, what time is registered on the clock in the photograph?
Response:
**5:55**
